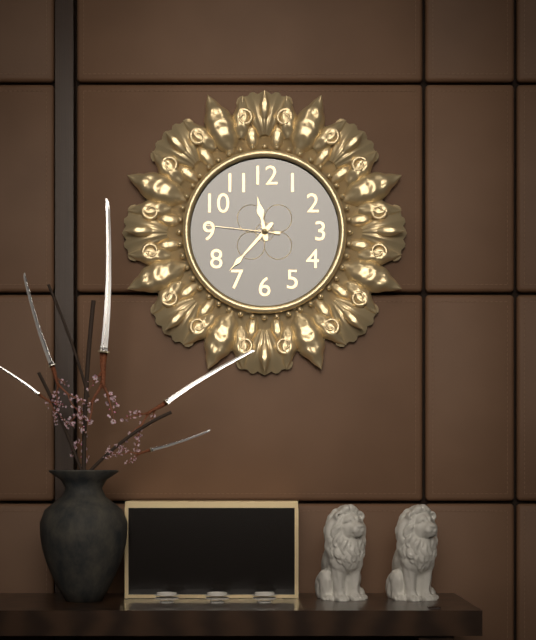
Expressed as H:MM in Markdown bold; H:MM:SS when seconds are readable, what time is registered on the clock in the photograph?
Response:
**11:37:46**
